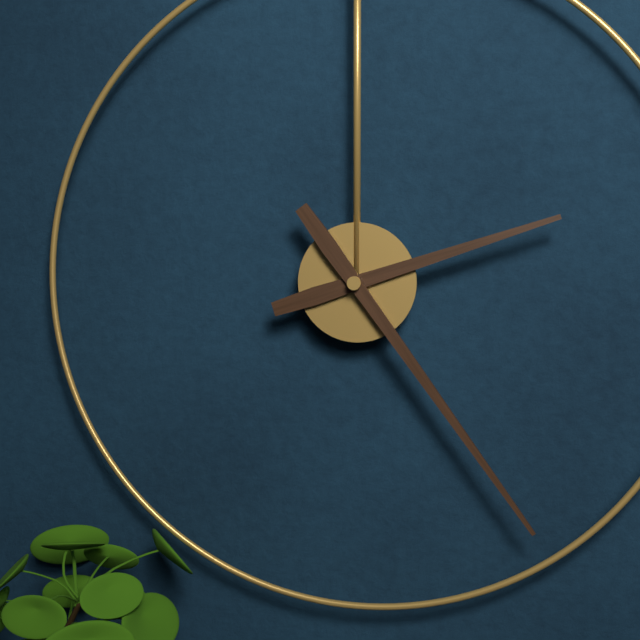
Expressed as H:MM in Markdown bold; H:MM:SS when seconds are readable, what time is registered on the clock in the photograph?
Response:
**2:24**
